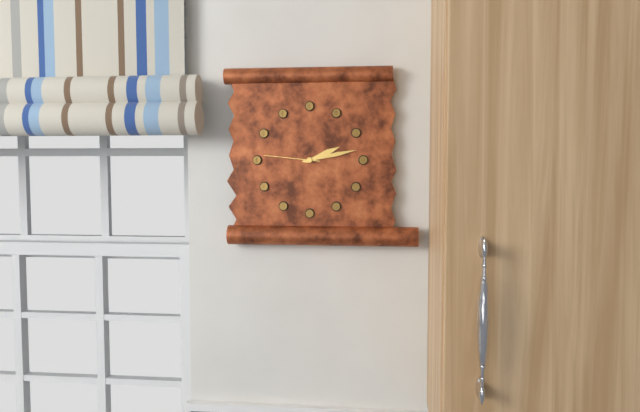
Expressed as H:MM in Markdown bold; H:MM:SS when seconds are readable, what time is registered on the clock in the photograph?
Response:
**2:13:46**
